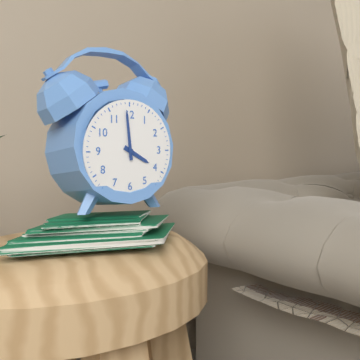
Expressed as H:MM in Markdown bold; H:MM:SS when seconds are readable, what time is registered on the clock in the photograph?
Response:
**3:59**
